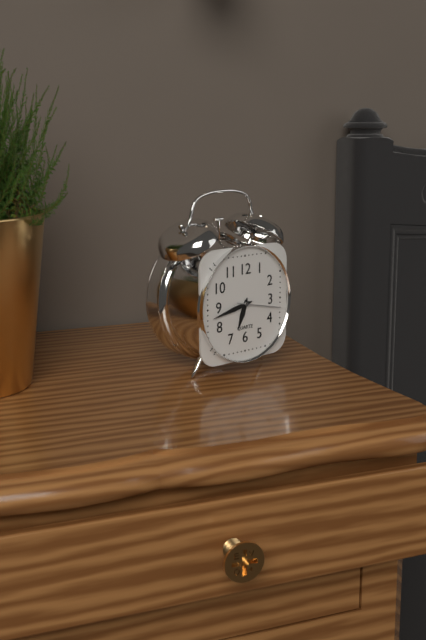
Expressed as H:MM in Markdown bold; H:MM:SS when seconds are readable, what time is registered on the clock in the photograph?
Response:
**6:43**
